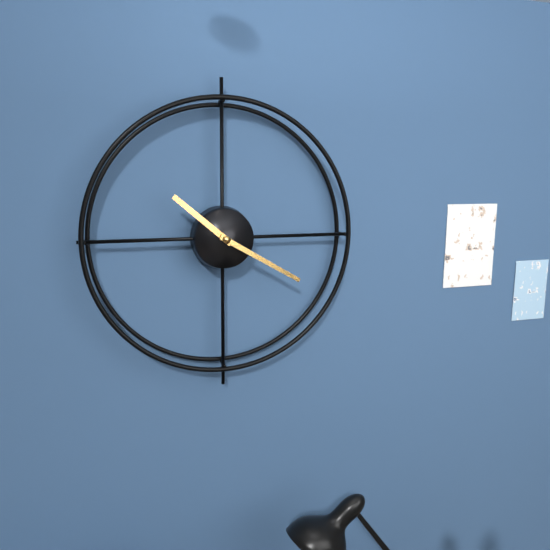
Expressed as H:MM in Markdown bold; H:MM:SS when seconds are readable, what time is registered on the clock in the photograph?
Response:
**10:20**
